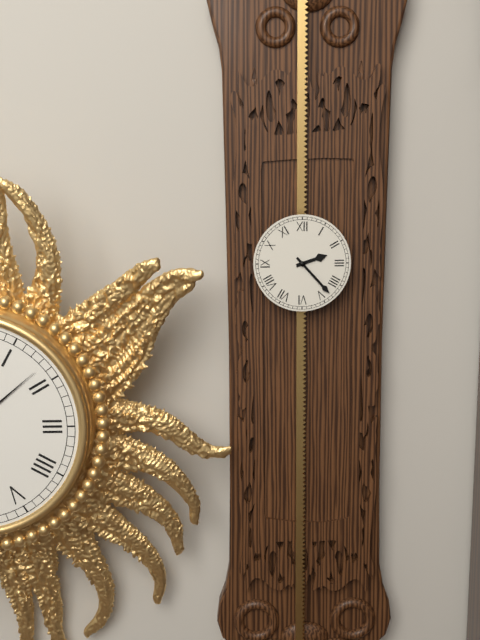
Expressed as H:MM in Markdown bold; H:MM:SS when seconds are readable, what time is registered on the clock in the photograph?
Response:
**2:23**
